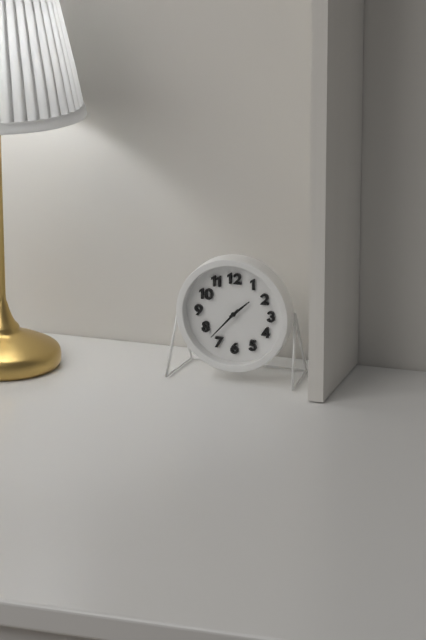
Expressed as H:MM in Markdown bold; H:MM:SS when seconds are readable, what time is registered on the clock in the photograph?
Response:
**1:37**
